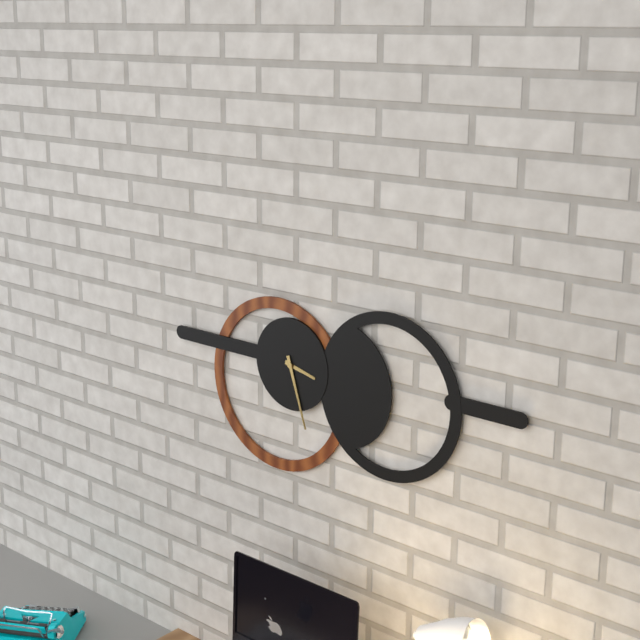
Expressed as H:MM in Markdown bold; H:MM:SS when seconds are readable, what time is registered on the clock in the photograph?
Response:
**3:27**
